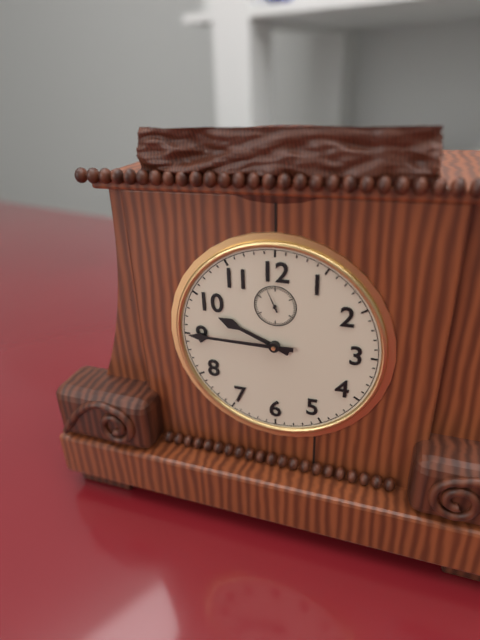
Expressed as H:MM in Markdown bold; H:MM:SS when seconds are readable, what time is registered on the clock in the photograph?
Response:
**9:45**
